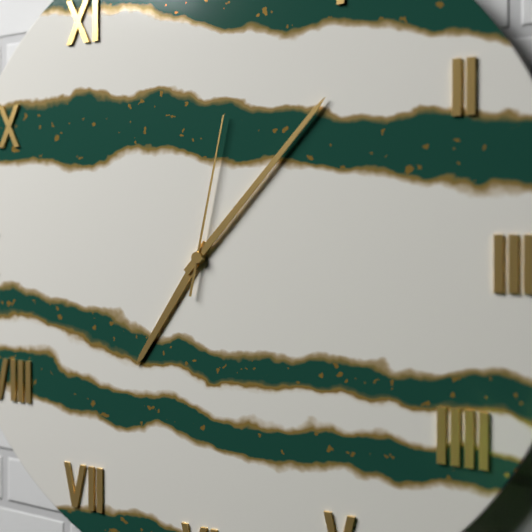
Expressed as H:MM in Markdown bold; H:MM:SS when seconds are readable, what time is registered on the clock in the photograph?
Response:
**7:07:02**
